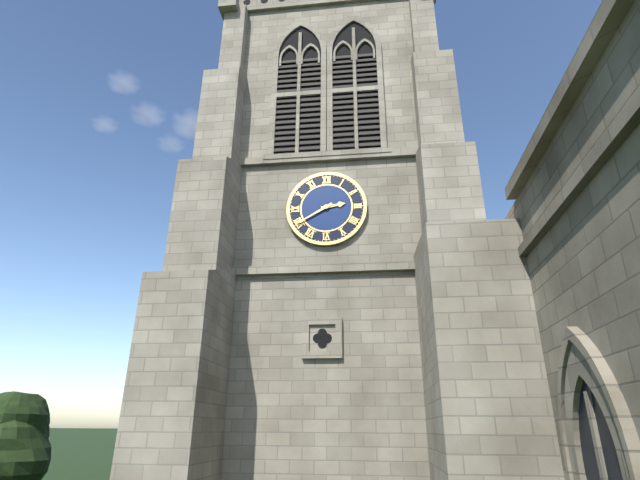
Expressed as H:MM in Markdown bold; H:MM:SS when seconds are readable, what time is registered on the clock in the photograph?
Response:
**2:40**
